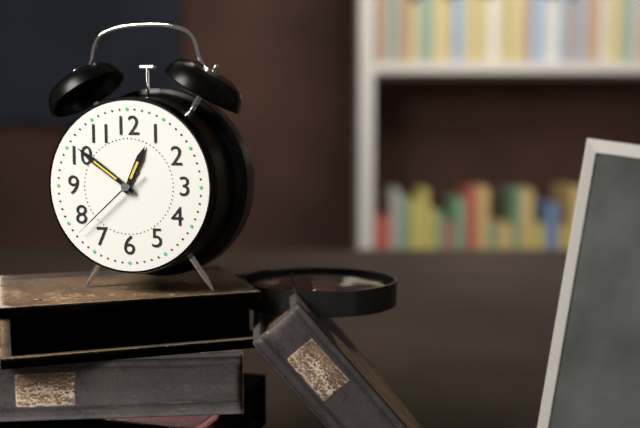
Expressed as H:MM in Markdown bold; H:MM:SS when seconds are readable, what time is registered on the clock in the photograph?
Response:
**12:51:38**
